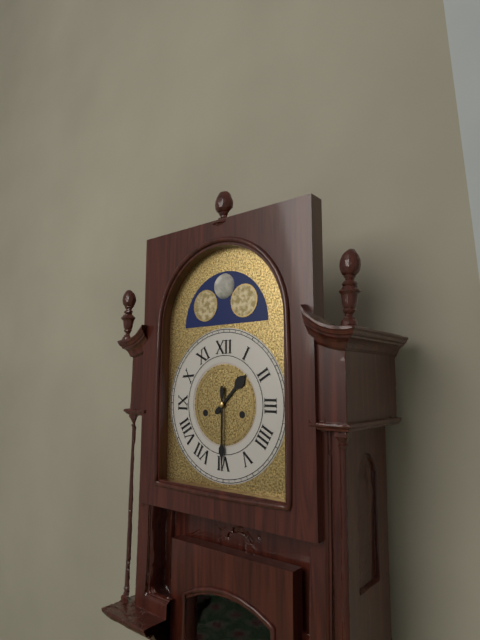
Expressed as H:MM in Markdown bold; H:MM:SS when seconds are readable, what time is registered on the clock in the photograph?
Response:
**1:30**
